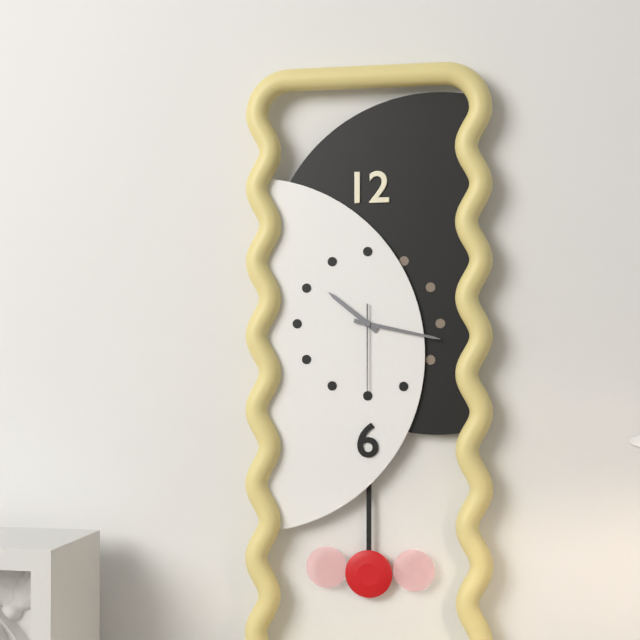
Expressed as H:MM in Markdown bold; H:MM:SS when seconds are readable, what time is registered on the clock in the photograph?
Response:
**10:17:30**
